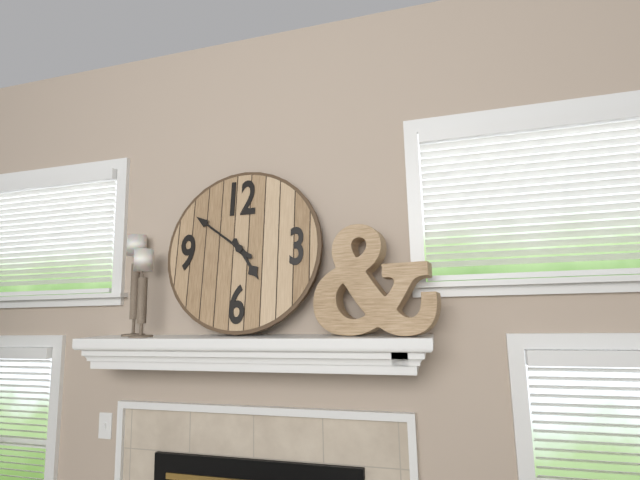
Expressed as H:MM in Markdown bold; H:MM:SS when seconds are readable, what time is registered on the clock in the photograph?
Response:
**4:51**
